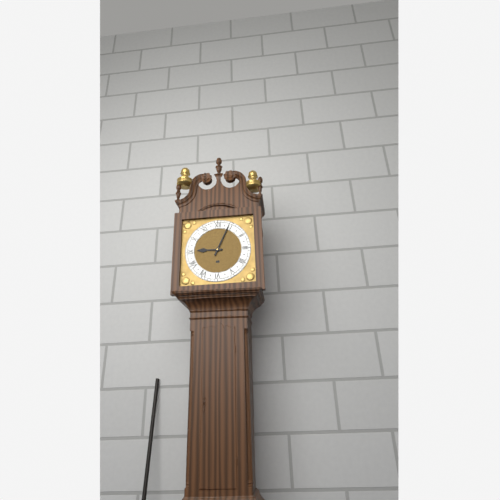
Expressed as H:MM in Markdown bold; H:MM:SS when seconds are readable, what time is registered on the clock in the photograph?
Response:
**9:04**
